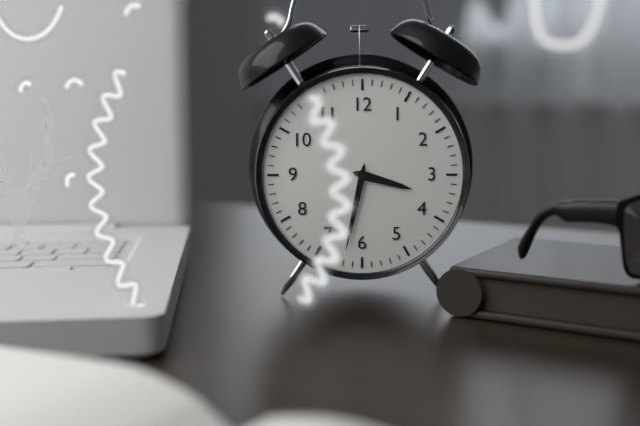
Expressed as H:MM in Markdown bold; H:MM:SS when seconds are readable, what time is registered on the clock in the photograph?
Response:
**3:32**
